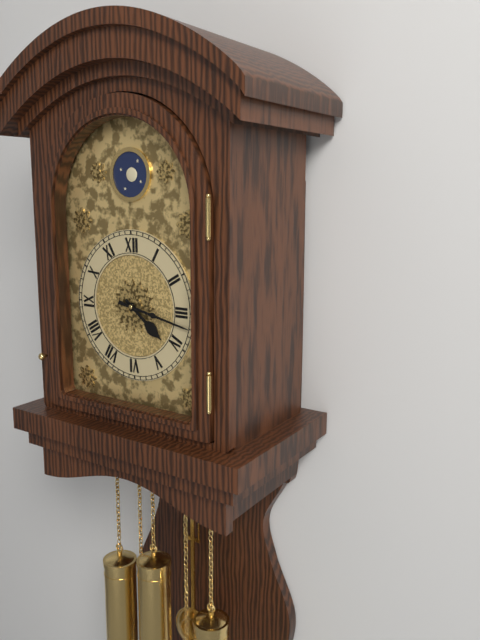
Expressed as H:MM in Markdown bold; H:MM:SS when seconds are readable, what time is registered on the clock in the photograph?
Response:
**4:17**
